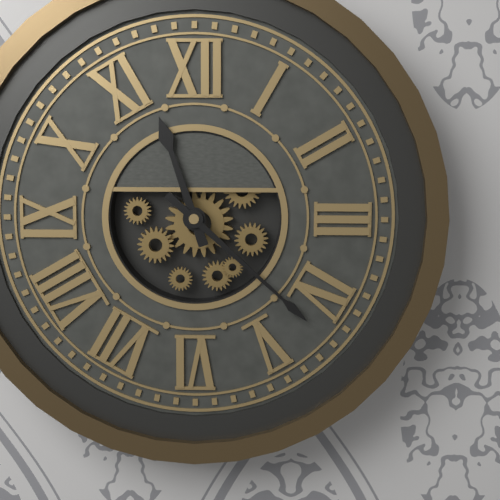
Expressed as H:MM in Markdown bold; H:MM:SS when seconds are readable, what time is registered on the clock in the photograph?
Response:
**11:22**
